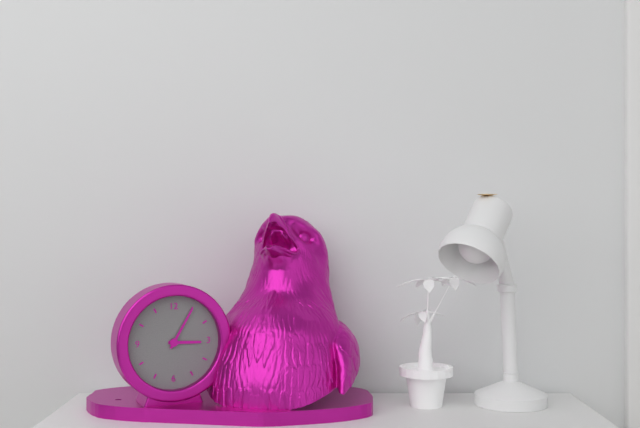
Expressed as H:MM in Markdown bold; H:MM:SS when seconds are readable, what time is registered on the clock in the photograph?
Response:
**3:05**
